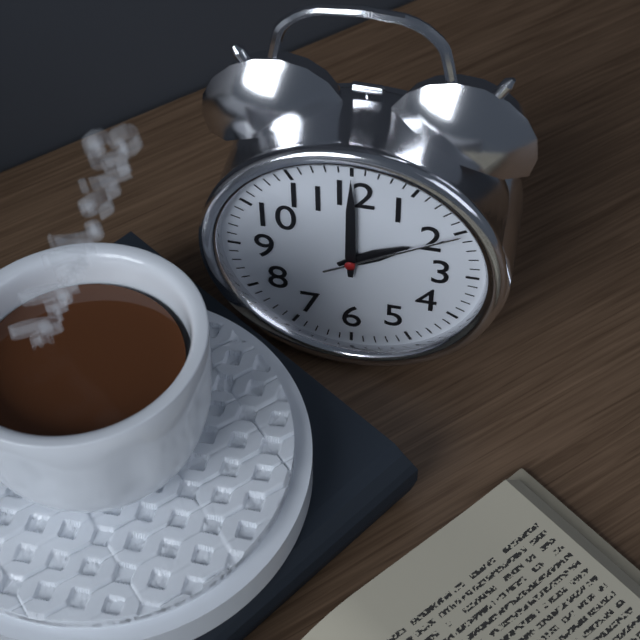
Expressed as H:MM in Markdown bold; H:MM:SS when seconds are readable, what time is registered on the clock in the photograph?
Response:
**2:00:10**
